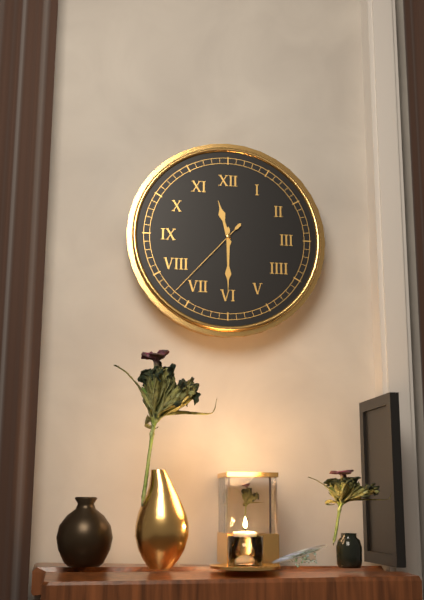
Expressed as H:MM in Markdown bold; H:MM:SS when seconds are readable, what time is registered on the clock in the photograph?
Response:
**11:30:37**
